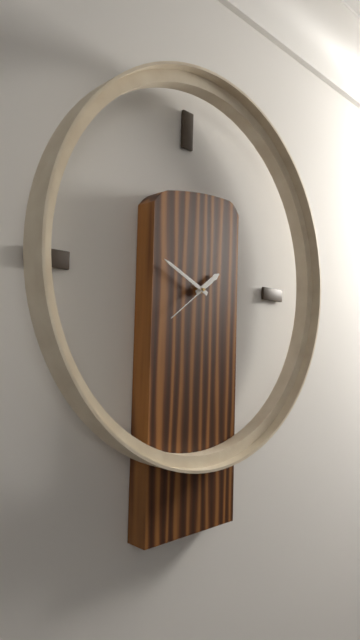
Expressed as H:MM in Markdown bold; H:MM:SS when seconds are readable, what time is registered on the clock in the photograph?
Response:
**1:49**
